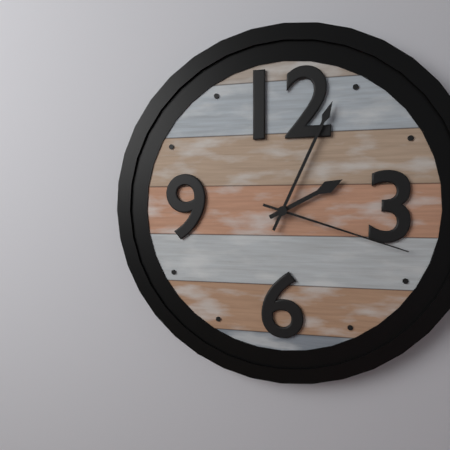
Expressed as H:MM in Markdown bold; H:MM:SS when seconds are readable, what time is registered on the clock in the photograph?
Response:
**2:04:18**
